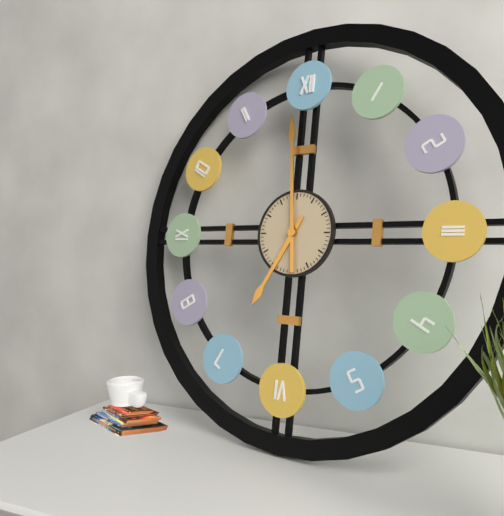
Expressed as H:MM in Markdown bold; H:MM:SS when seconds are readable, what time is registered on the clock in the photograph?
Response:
**6:59**
